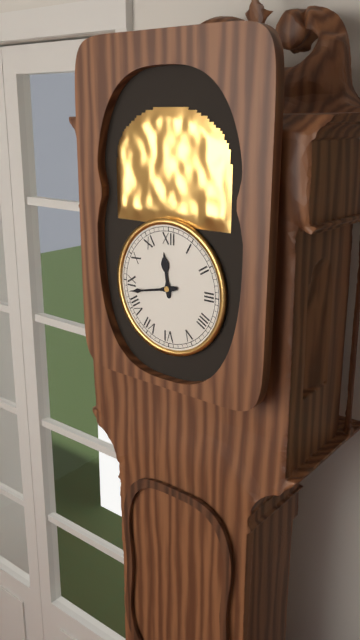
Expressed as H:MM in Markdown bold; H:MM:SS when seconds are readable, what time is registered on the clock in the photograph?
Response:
**11:43**
